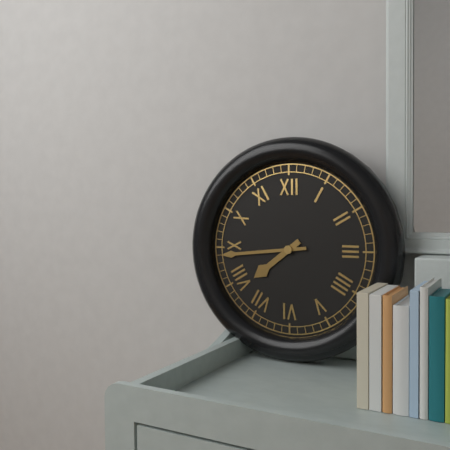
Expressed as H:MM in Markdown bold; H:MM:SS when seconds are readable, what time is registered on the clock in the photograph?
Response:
**7:44**
